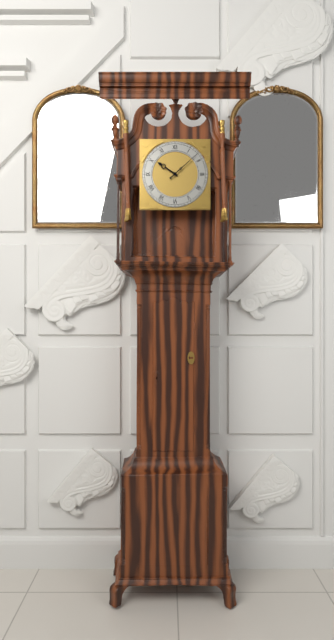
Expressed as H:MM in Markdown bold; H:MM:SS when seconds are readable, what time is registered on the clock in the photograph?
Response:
**10:08**
